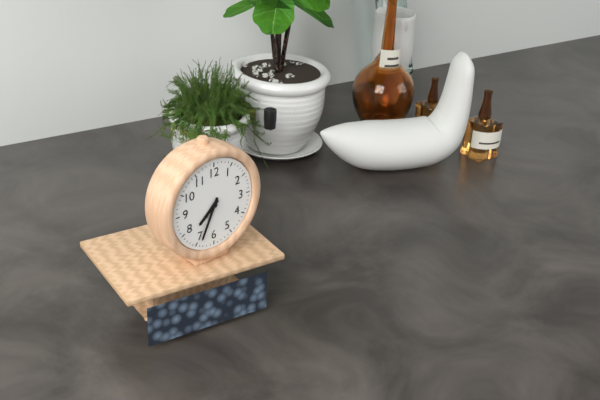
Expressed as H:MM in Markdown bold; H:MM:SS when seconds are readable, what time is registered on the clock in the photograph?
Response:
**7:34**
